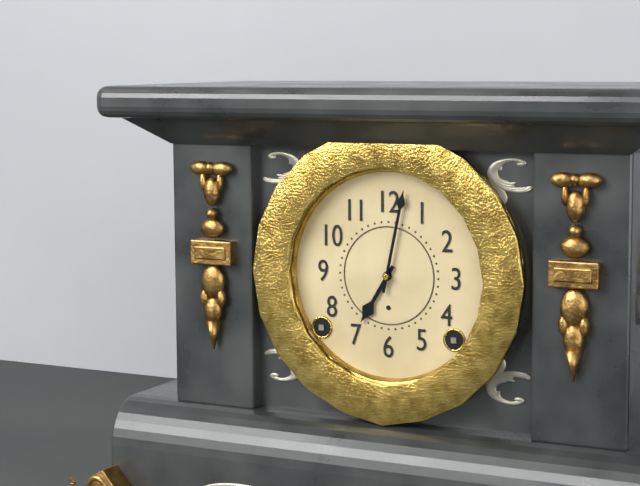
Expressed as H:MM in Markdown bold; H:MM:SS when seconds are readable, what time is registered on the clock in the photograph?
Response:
**7:02**
